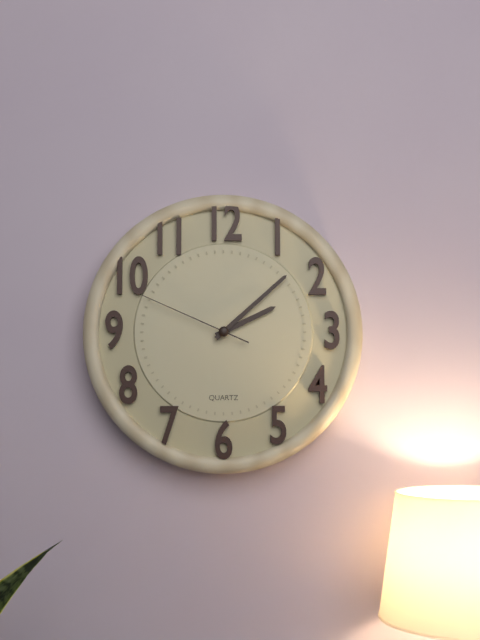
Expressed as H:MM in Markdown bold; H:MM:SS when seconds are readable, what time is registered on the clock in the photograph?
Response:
**2:08:49**
